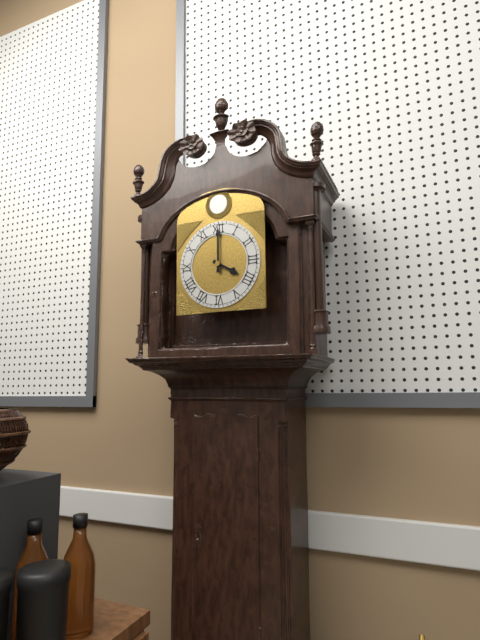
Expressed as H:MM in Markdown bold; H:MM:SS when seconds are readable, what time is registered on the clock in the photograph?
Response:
**4:00**
